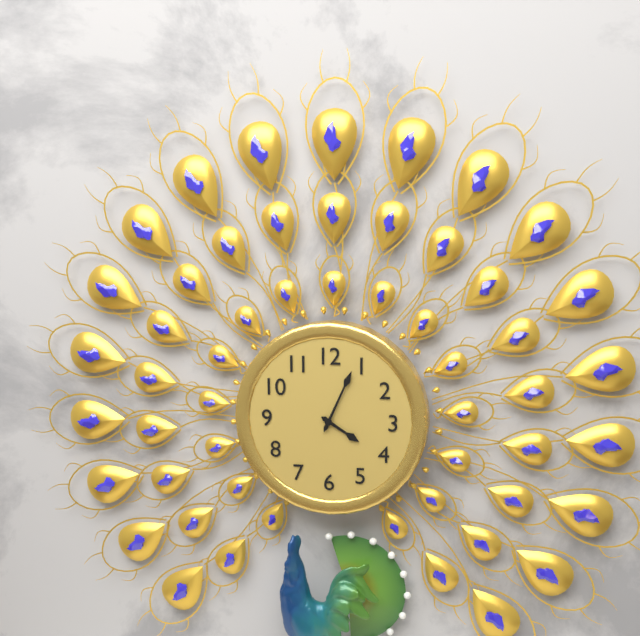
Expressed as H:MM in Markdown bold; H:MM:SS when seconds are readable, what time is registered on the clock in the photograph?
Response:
**4:04**
